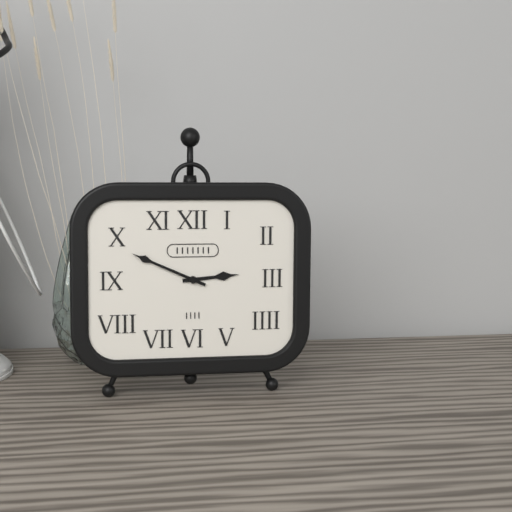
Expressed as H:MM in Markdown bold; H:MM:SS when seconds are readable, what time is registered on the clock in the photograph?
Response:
**2:49**
